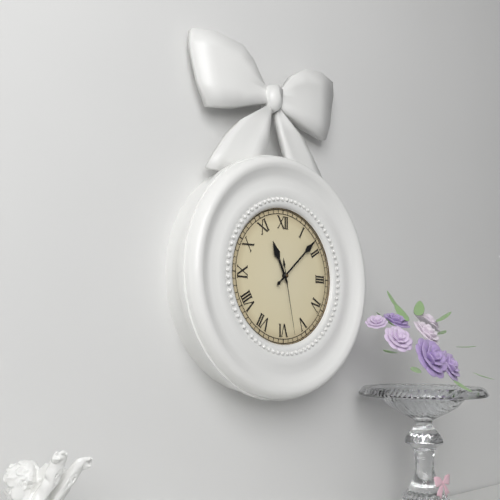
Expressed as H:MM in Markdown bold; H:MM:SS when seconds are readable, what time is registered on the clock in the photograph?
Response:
**11:08:28**
